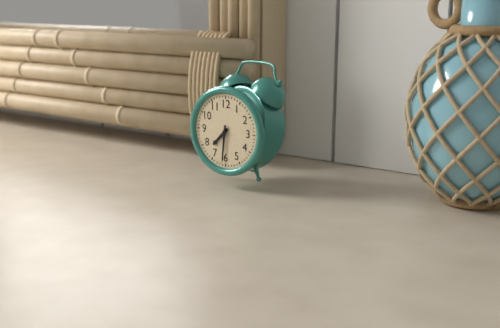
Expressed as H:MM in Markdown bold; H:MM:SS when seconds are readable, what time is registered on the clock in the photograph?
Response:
**7:31**
